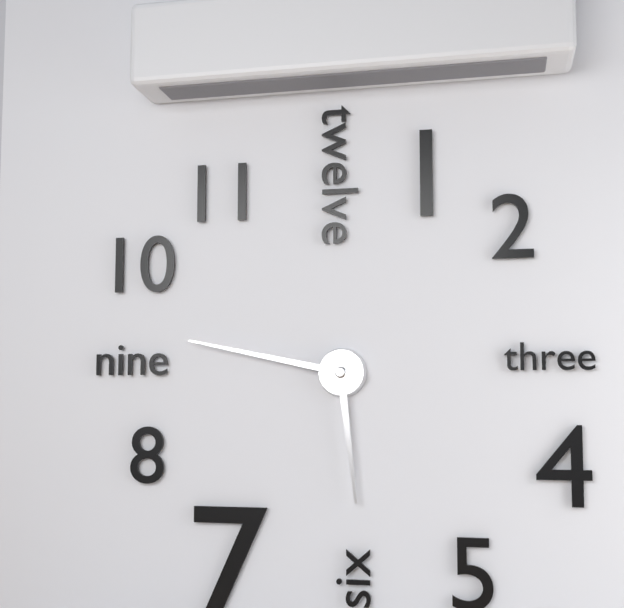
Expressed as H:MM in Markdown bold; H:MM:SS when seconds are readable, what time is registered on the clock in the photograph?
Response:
**5:47**
